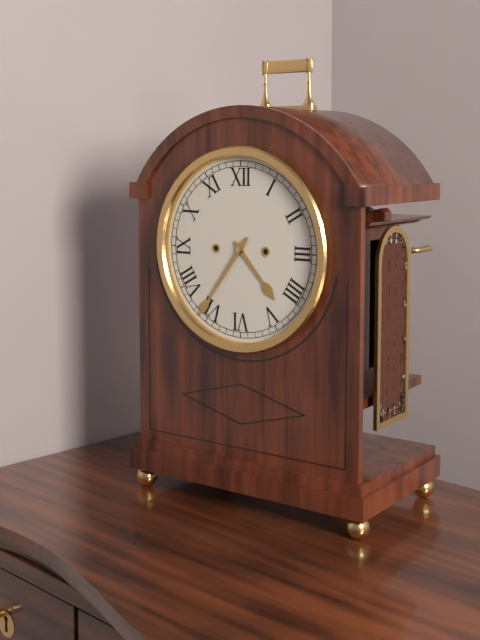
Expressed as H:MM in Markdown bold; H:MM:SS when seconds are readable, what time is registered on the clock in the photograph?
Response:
**4:36**
